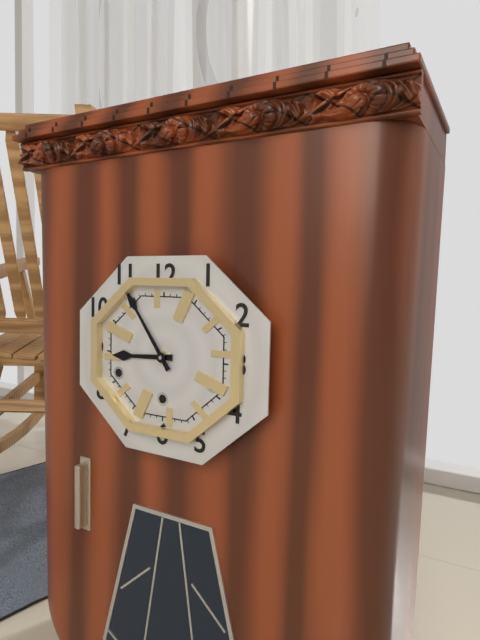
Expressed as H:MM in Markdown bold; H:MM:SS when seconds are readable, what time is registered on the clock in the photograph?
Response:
**8:54**
